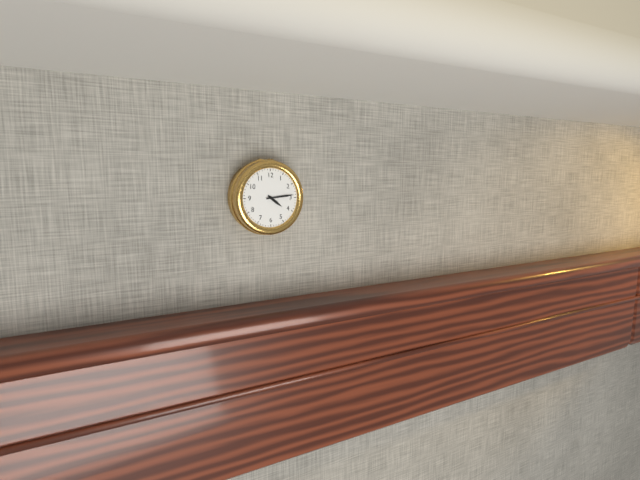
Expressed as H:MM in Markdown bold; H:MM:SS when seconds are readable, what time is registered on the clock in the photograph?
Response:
**4:14**
